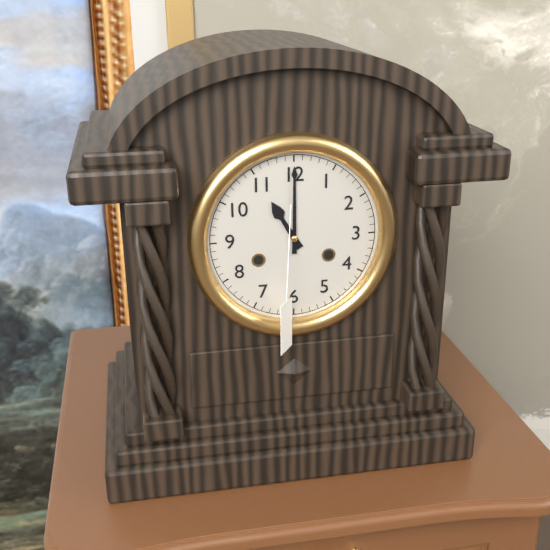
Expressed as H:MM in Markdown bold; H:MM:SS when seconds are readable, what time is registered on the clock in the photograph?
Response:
**11:00**
